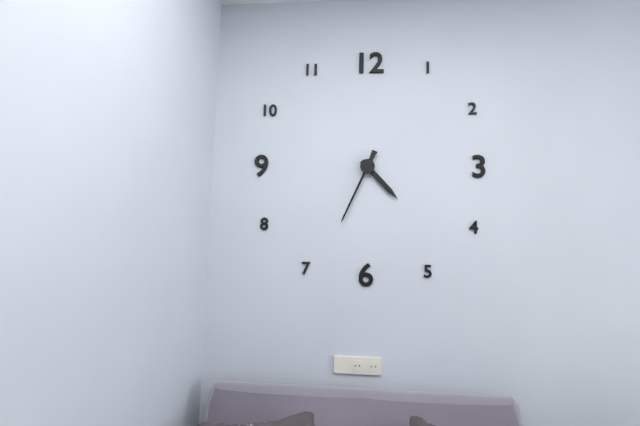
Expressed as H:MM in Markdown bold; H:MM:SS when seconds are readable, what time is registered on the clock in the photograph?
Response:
**4:34**
